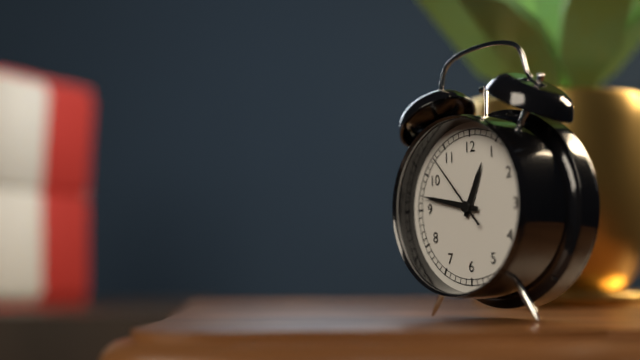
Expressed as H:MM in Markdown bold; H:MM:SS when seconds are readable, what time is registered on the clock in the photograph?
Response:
**12:47:53**
